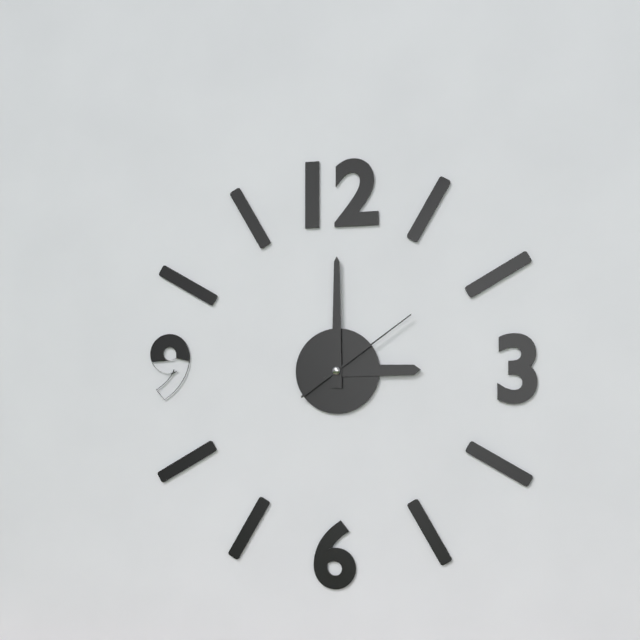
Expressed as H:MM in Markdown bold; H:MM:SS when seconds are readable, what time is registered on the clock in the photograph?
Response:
**3:00:09**
